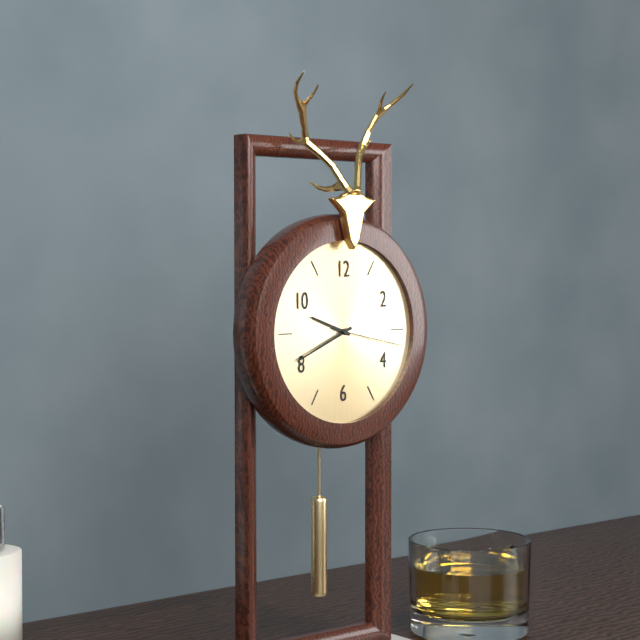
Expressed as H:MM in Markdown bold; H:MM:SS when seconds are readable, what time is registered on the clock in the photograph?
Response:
**9:41:17**
